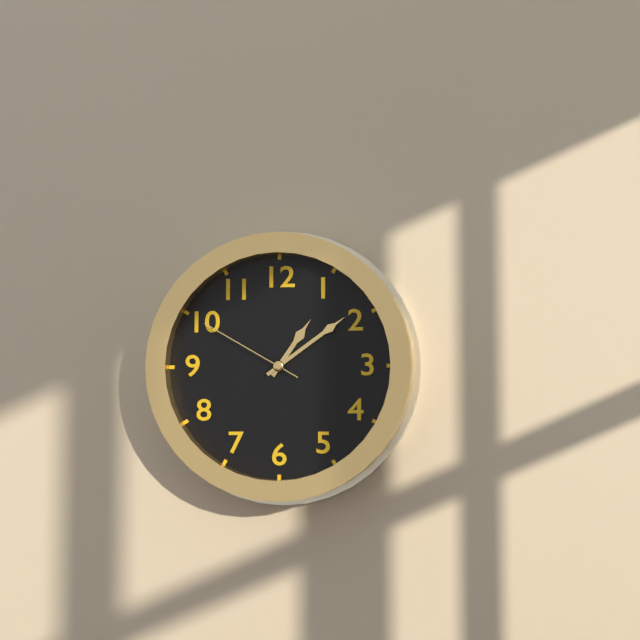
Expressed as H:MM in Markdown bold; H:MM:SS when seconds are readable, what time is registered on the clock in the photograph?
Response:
**1:09:50**
